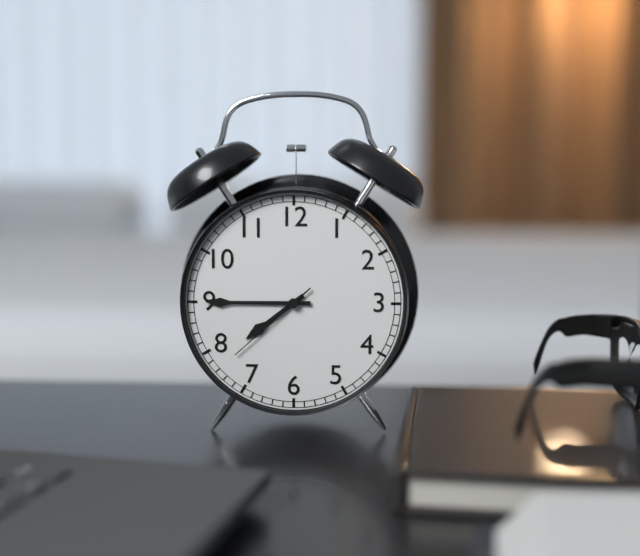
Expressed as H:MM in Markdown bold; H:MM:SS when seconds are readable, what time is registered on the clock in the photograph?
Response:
**7:45:38**
